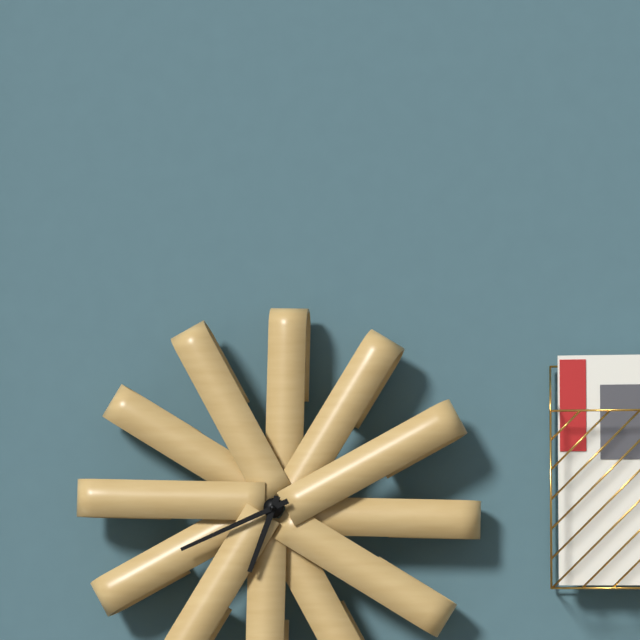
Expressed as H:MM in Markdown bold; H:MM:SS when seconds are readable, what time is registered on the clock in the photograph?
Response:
**6:41**
